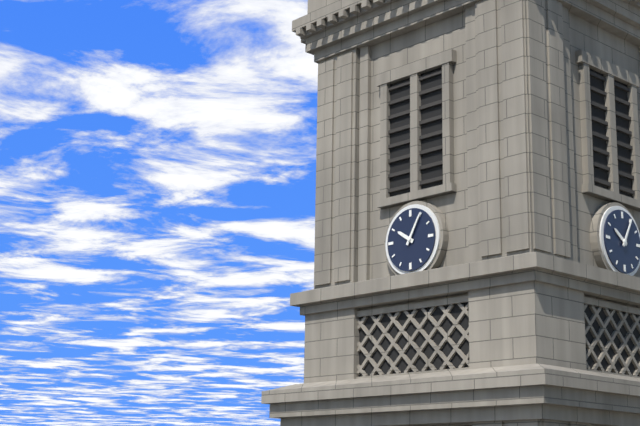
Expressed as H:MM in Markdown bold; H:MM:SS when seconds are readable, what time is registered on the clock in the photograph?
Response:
**10:05**
